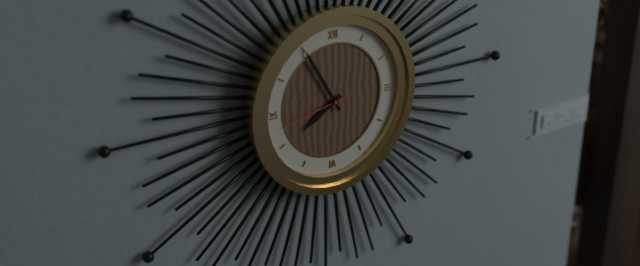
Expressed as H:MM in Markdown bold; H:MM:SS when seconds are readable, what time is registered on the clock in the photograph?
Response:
**7:55:43**
